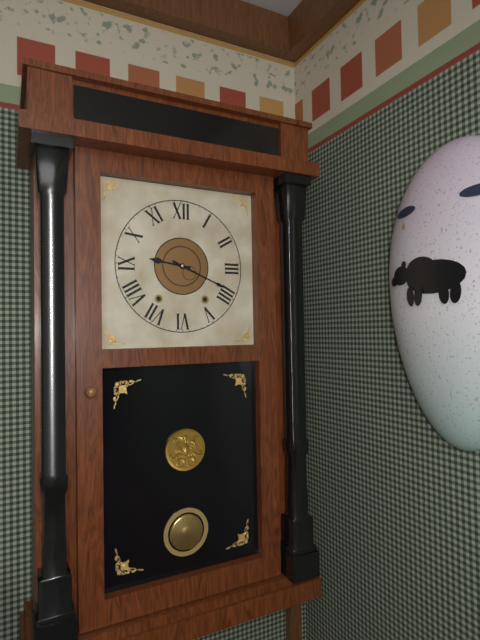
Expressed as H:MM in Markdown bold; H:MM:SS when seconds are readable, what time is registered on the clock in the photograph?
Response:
**9:19**
